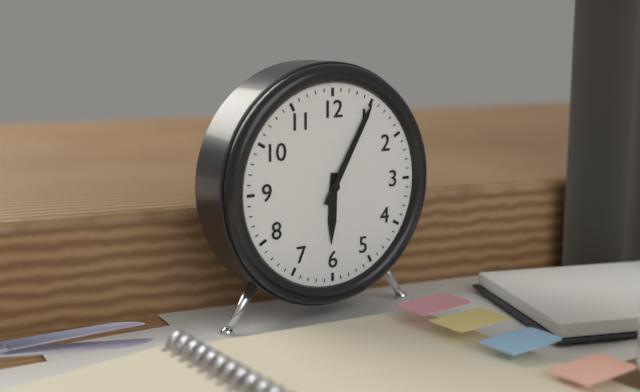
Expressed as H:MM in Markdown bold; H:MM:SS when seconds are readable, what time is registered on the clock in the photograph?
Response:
**6:05**
